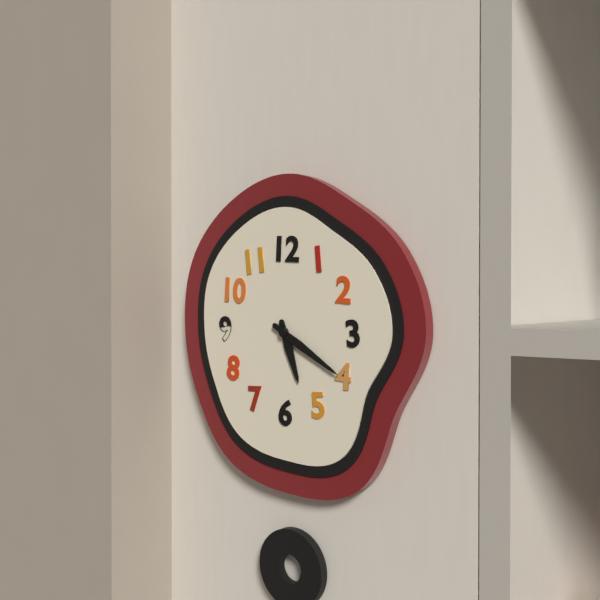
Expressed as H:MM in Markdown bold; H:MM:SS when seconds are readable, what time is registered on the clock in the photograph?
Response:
**5:20**
